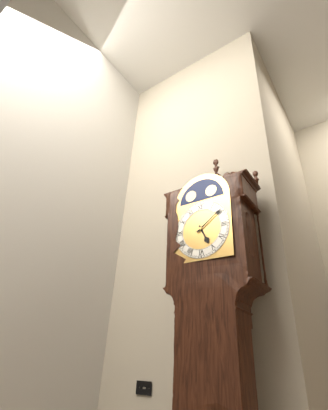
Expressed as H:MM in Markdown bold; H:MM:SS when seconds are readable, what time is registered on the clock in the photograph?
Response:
**5:09**
